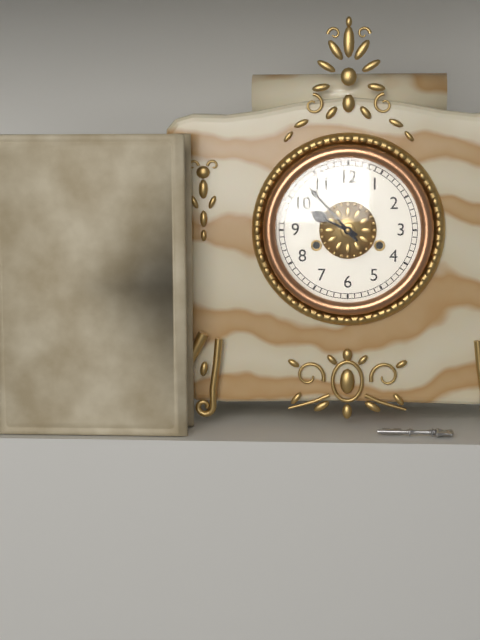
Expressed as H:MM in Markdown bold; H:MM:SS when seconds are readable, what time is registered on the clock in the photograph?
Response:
**9:53**
